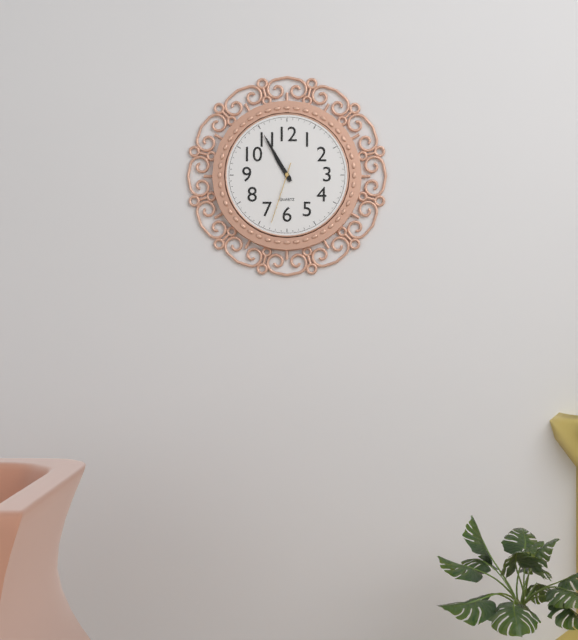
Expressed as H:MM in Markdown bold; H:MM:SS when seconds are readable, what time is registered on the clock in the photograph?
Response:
**10:55:33**
